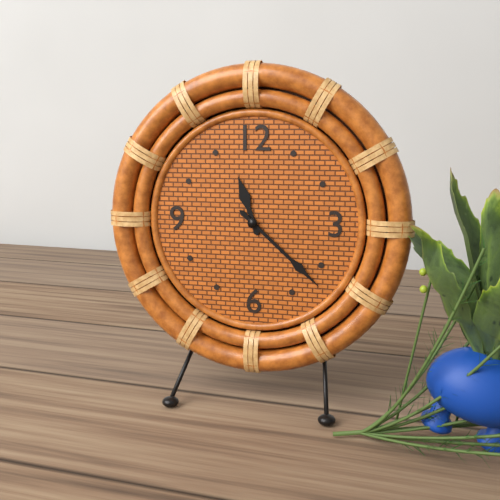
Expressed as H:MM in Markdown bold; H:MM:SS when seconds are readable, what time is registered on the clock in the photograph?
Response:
**11:22**
